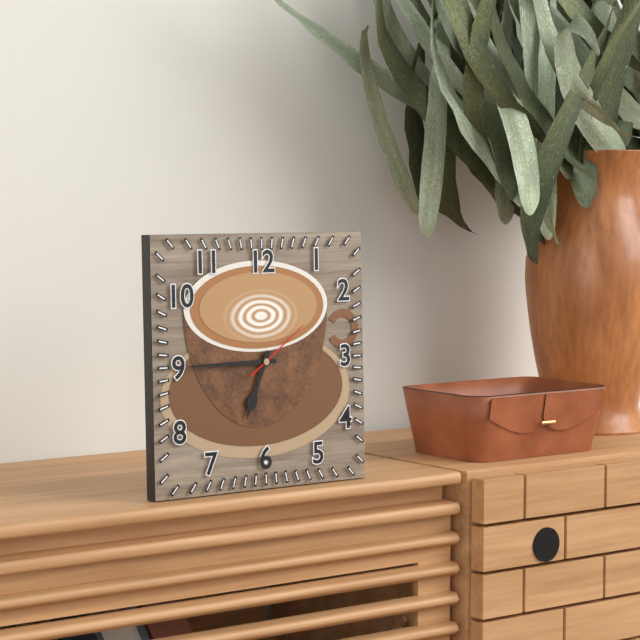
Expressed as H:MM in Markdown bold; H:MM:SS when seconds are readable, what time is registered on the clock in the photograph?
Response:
**6:45:09**
